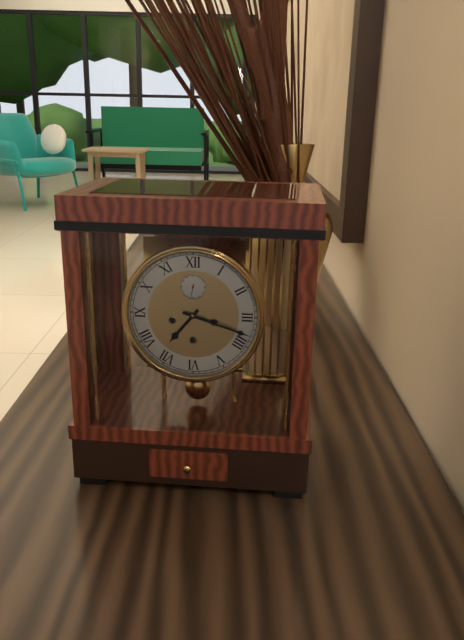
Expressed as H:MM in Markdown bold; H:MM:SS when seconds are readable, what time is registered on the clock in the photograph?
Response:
**7:18**
